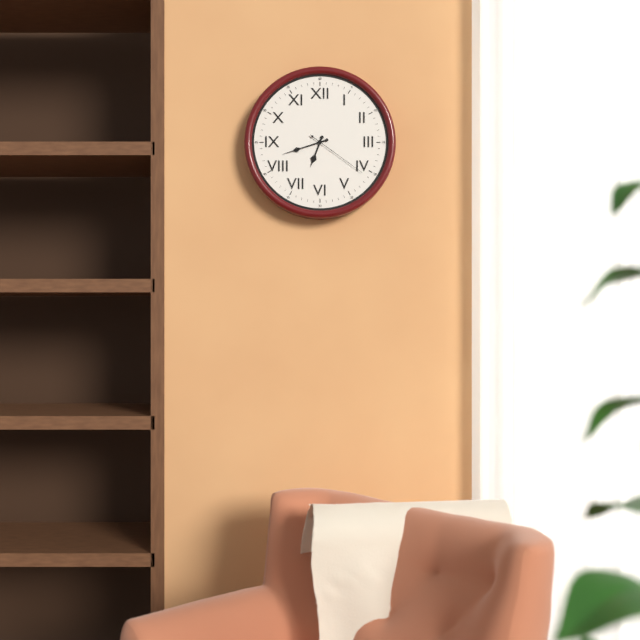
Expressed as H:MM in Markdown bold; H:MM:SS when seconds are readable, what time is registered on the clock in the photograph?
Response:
**6:42:21**
